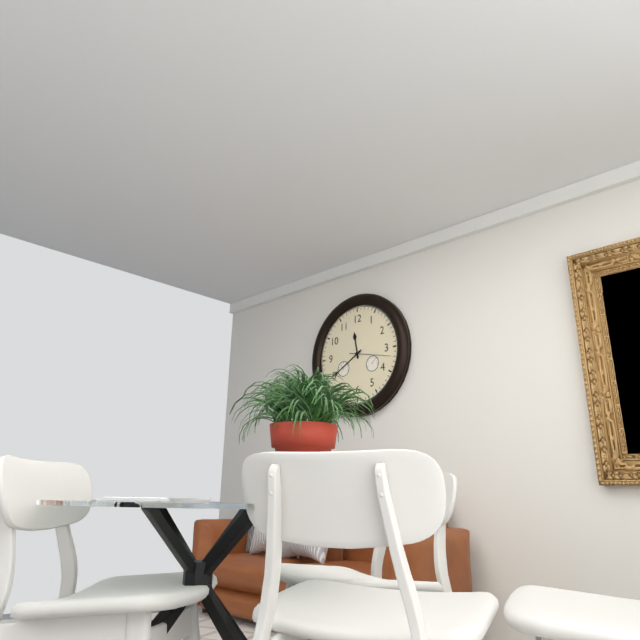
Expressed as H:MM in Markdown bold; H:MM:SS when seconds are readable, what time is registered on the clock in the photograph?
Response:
**11:40**
